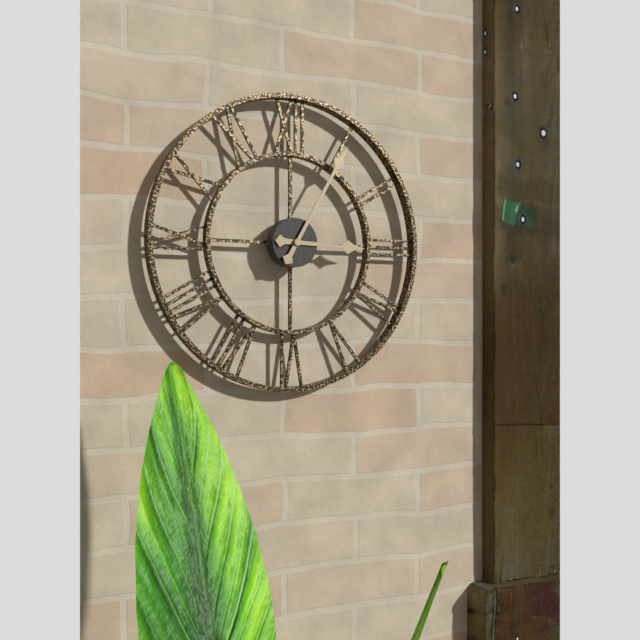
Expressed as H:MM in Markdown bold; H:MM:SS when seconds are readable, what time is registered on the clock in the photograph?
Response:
**3:05**
